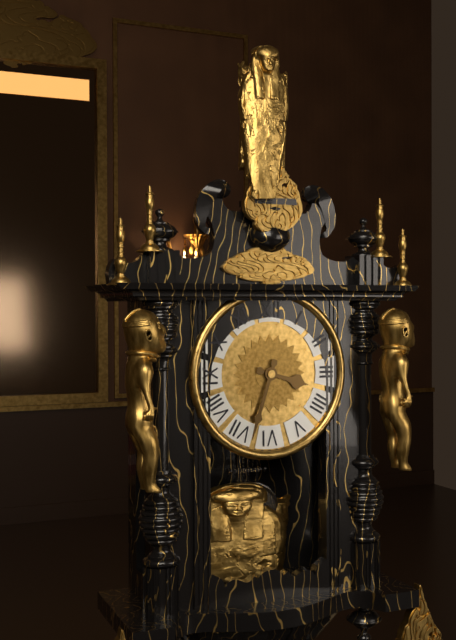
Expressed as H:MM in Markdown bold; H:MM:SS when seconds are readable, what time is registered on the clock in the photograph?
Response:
**3:33**
